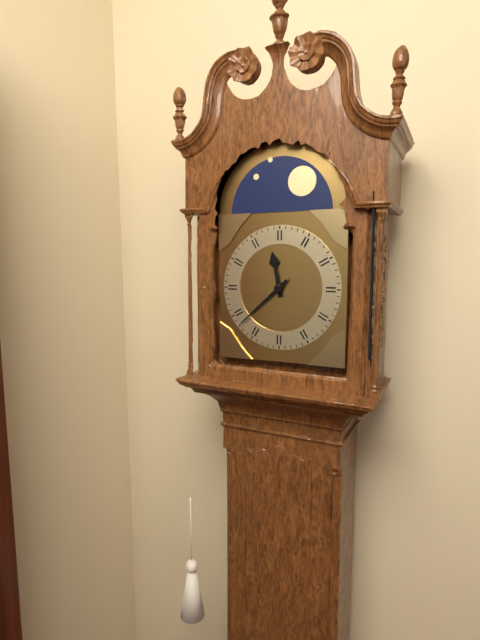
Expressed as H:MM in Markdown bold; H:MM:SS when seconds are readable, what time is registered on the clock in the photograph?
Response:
**11:38**
